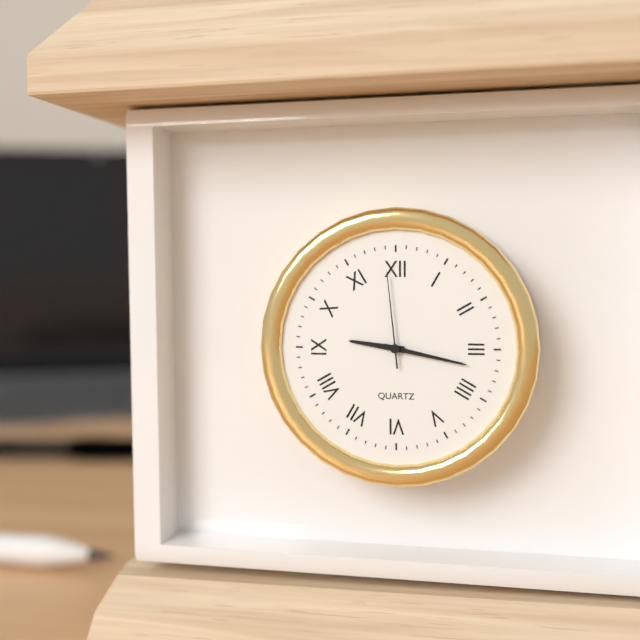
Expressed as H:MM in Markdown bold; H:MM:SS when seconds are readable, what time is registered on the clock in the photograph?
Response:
**9:17:59**
